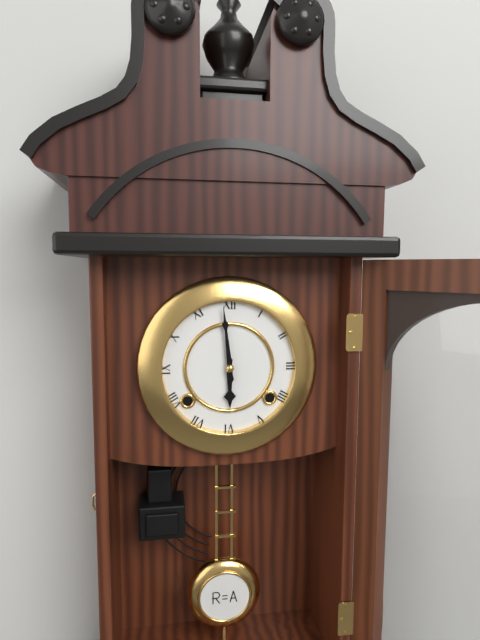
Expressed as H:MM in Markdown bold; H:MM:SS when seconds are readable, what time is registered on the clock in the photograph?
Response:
**5:59**
